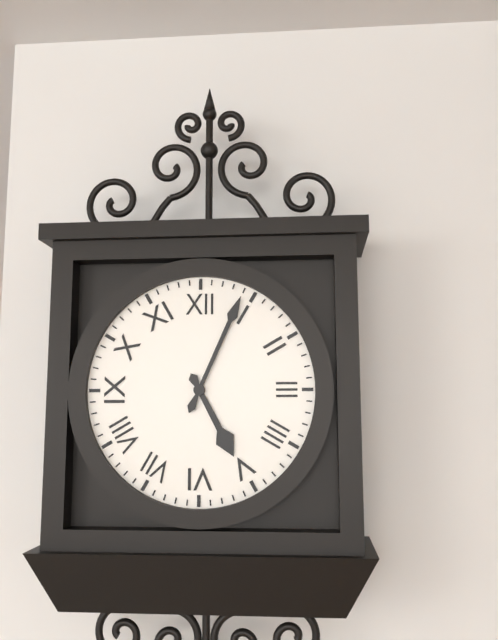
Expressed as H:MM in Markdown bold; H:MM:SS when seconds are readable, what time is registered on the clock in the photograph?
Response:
**5:04**
